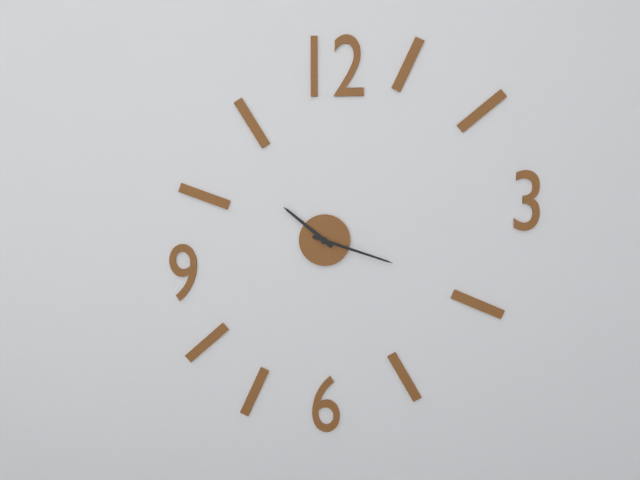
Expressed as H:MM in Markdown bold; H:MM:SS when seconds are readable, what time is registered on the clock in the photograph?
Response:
**10:18**
